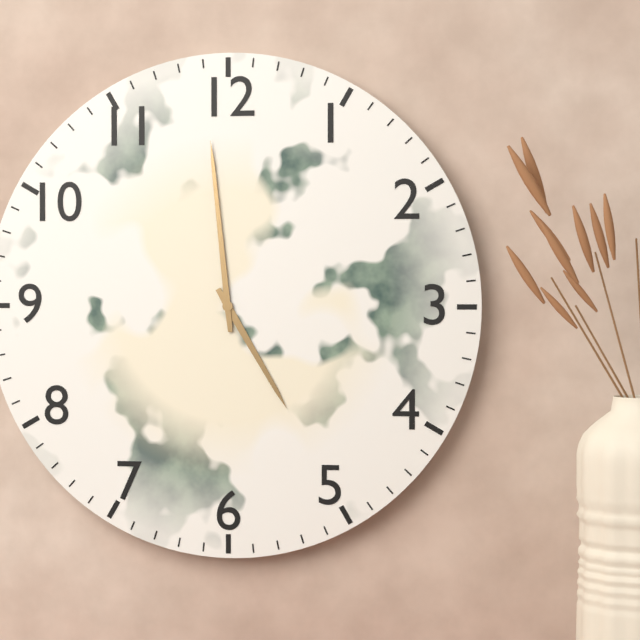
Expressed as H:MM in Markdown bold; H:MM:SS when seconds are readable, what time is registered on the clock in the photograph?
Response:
**4:59**
